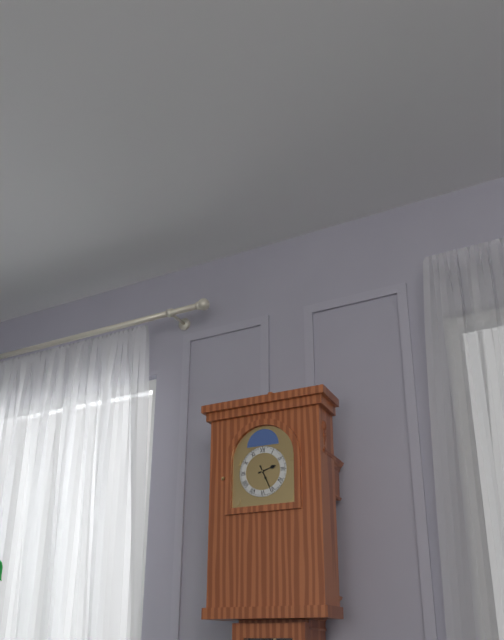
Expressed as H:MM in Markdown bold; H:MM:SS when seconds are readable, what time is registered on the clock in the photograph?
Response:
**2:26**
